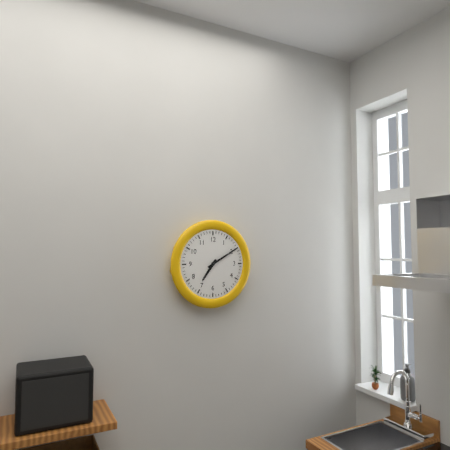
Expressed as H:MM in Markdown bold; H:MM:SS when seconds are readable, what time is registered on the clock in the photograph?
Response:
**7:10**
